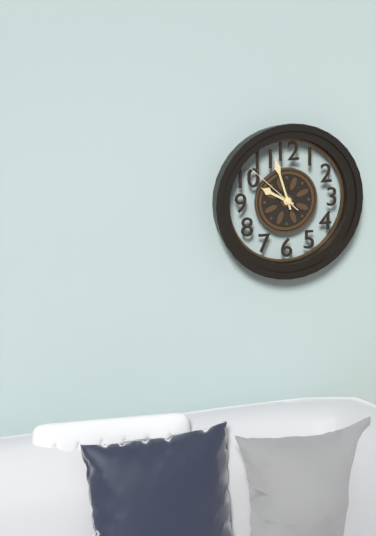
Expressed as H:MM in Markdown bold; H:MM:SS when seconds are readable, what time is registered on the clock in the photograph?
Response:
**9:57:52**
